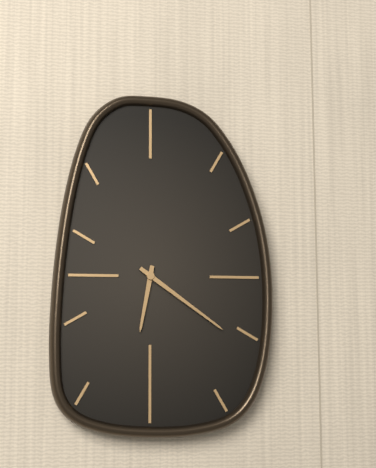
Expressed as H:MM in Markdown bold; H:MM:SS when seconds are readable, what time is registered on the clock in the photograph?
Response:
**6:21**
